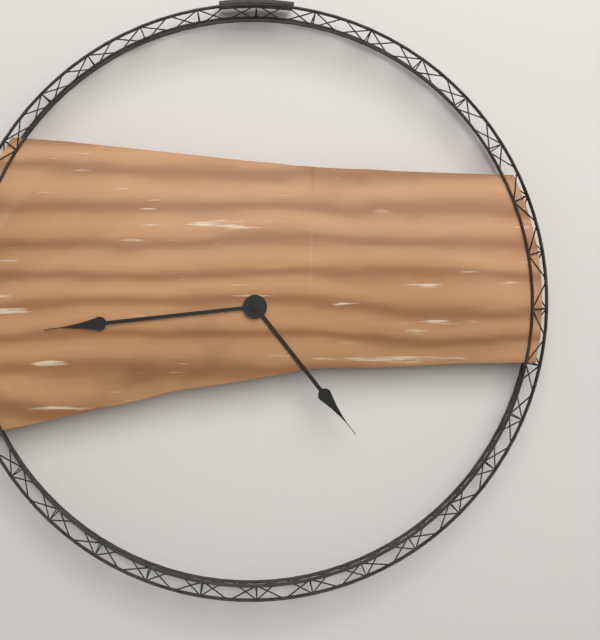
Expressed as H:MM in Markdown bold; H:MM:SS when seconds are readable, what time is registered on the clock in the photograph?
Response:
**4:44**
